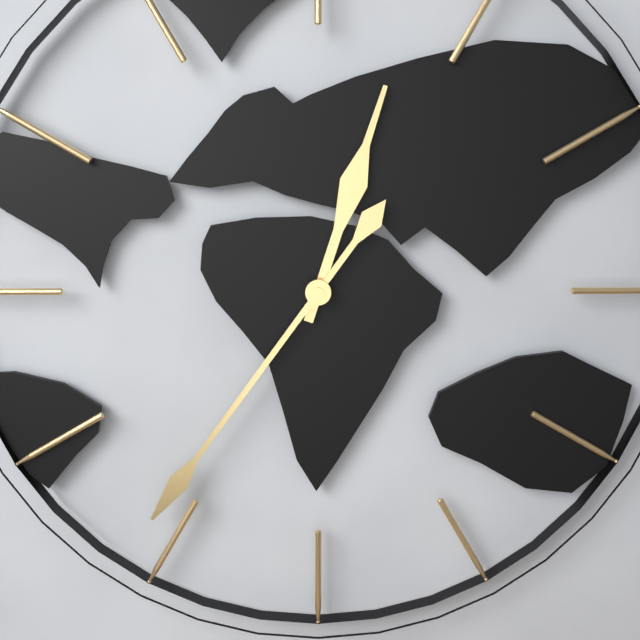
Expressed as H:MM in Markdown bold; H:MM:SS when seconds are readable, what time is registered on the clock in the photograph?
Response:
**12:36**
